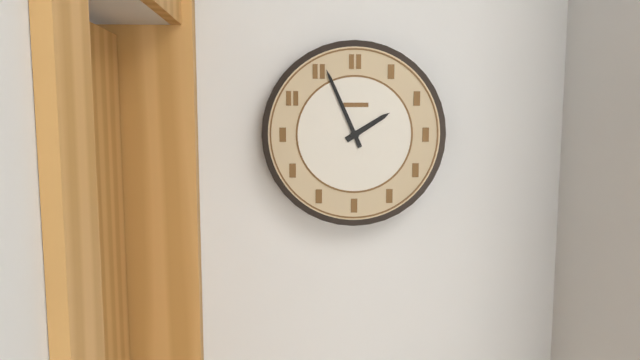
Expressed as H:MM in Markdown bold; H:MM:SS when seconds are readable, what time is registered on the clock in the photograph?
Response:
**1:56**
